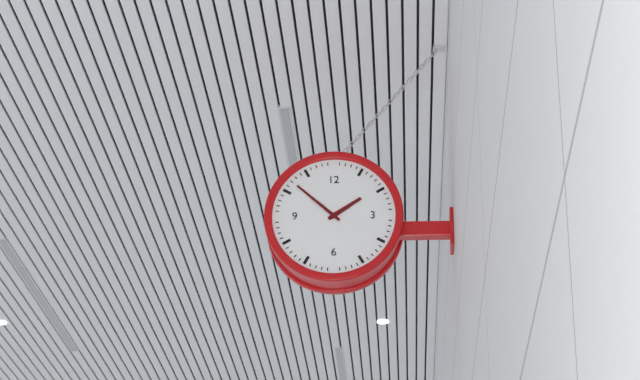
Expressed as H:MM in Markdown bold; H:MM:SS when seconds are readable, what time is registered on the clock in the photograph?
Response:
**1:52**
